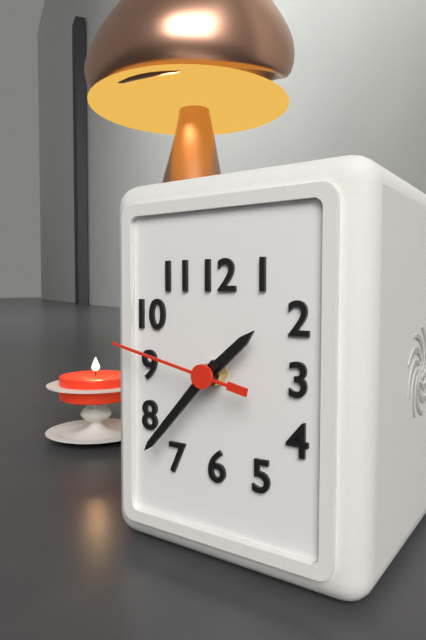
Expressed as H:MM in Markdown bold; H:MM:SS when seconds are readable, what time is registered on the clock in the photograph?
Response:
**1:37:47**
